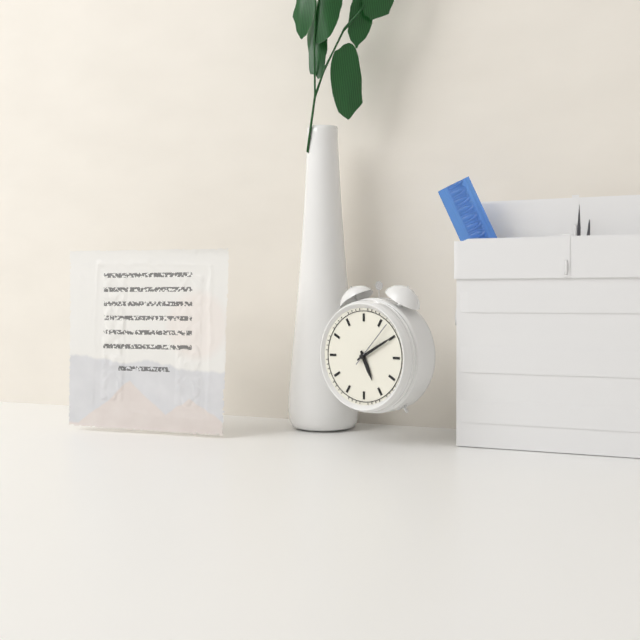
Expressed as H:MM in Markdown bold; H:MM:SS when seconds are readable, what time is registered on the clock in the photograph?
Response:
**5:10**
